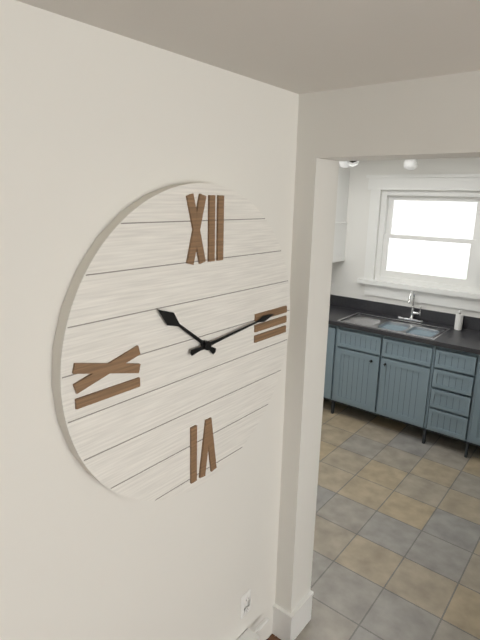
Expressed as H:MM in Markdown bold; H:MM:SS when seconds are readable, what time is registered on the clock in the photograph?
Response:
**10:14**
